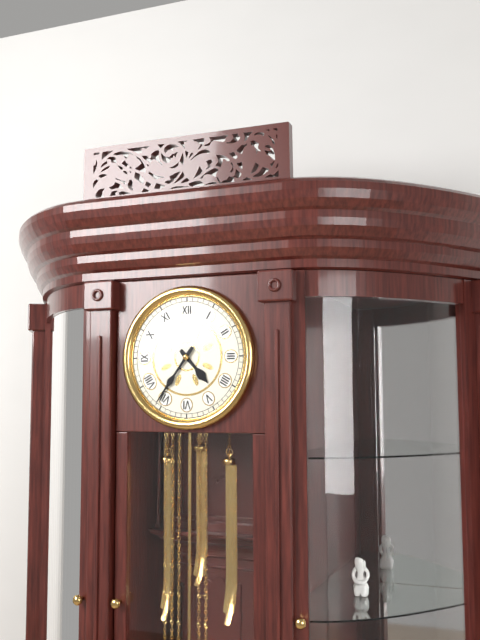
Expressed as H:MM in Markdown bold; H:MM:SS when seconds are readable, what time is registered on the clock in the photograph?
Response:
**4:36**
